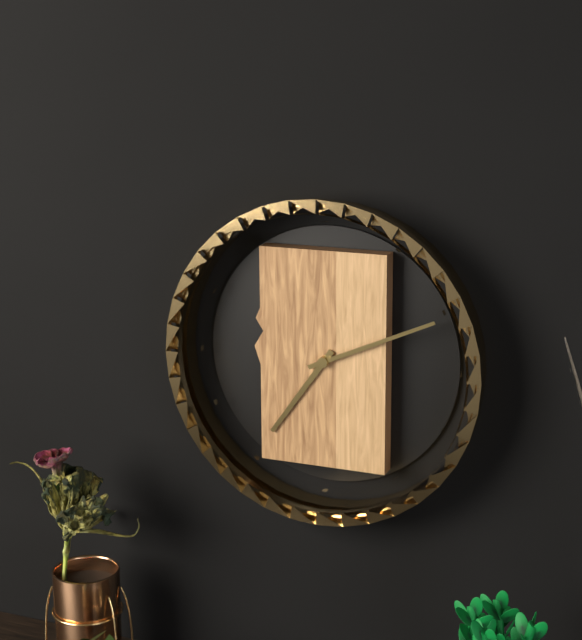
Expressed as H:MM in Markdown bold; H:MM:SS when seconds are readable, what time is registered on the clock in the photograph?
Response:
**7:11**
